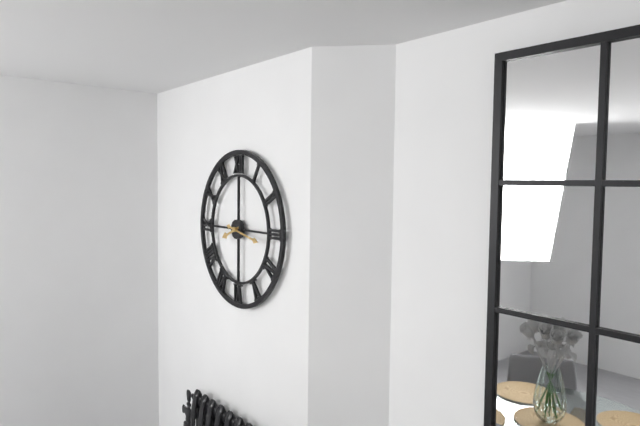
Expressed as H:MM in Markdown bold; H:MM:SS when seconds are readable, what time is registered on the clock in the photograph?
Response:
**8:17**
